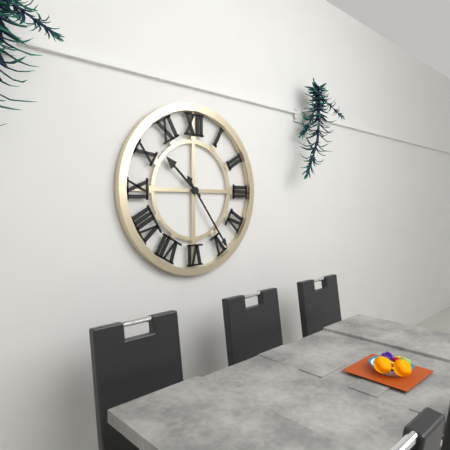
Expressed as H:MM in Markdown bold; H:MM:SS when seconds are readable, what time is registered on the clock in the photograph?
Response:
**10:24**
